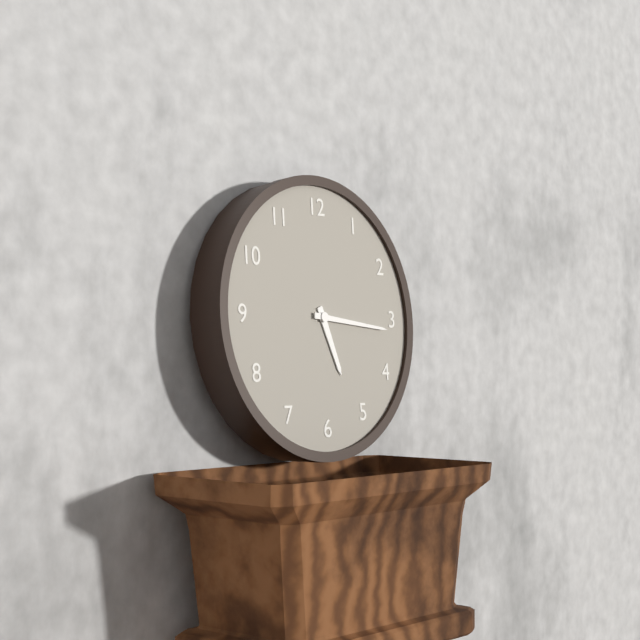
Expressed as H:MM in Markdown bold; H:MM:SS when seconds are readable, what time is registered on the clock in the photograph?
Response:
**5:16**
